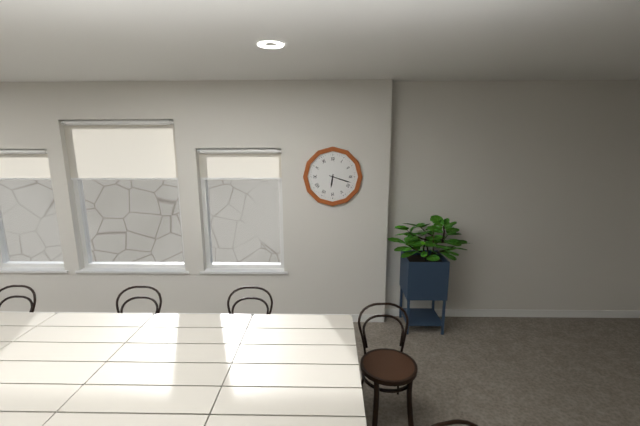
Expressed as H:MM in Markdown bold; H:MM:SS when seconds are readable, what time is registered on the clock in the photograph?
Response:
**6:18**
